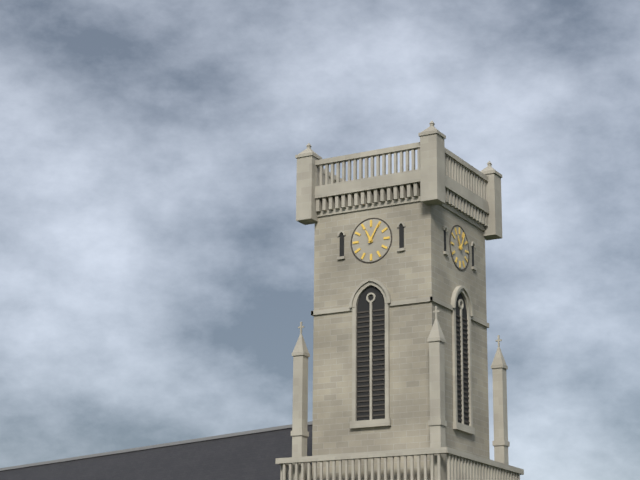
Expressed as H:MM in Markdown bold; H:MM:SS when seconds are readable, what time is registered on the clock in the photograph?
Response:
**11:05**
